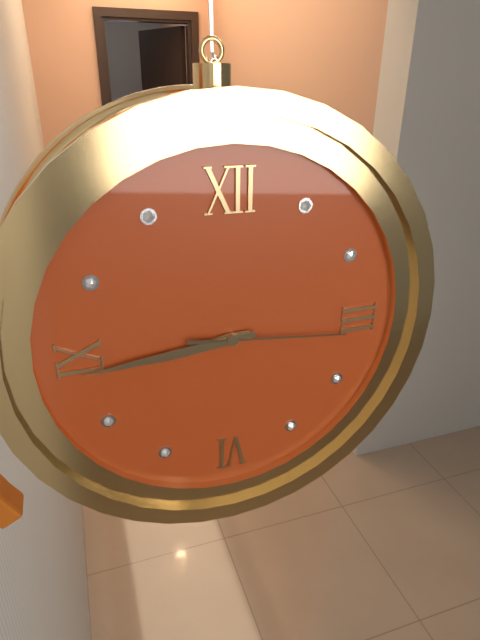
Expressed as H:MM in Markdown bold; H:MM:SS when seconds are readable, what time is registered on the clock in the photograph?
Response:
**8:44:16**
